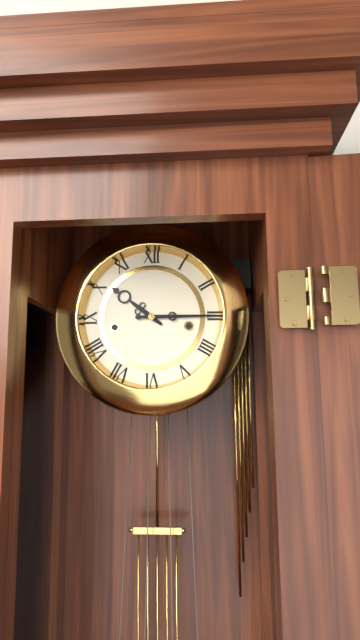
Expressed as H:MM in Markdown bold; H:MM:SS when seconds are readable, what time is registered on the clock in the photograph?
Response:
**10:15**
